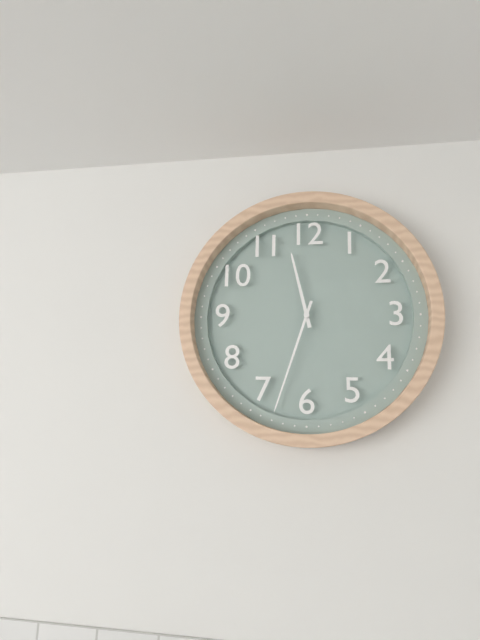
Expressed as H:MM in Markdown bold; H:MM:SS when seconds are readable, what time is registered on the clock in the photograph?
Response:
**11:33**
